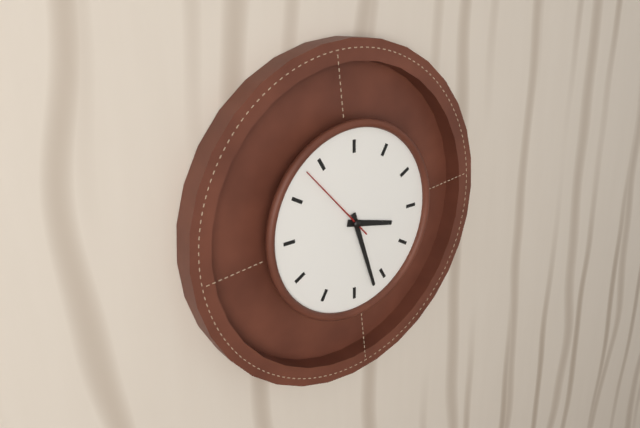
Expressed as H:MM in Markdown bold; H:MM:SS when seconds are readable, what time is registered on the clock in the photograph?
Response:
**3:27:53**
